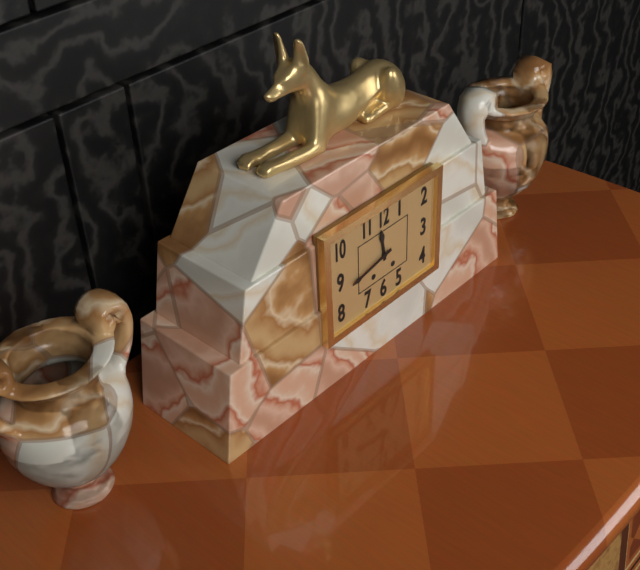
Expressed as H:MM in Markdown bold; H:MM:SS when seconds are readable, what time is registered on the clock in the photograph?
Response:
**11:43**
